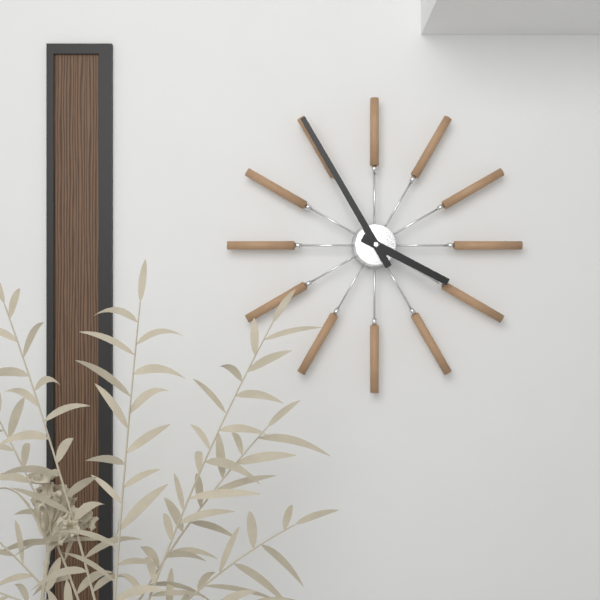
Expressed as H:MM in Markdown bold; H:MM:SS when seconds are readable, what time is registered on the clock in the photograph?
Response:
**3:55**
